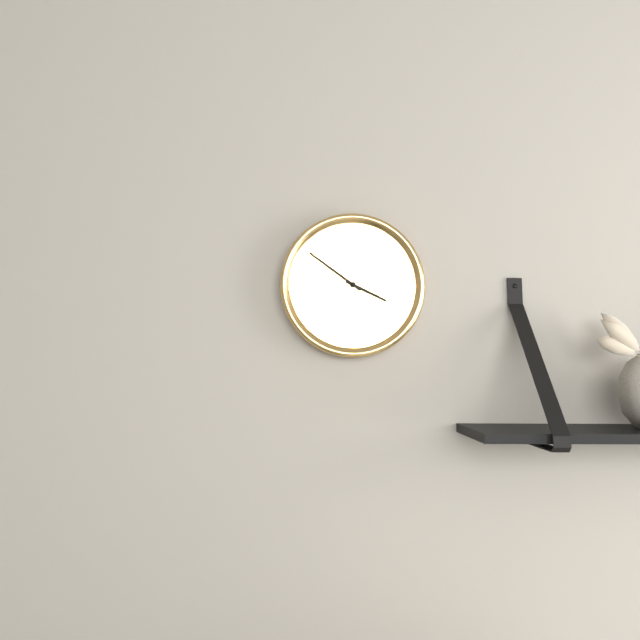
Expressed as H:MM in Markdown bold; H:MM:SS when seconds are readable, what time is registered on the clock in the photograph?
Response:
**3:51**
